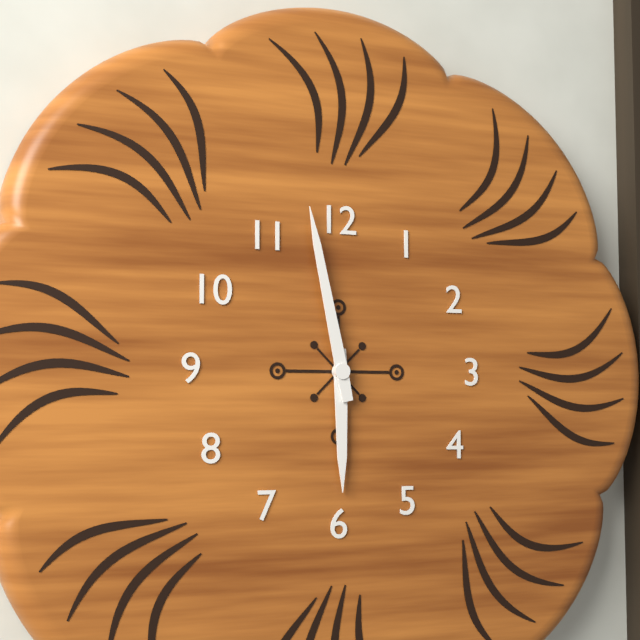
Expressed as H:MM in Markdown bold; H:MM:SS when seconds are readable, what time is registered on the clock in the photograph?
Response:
**5:58**
